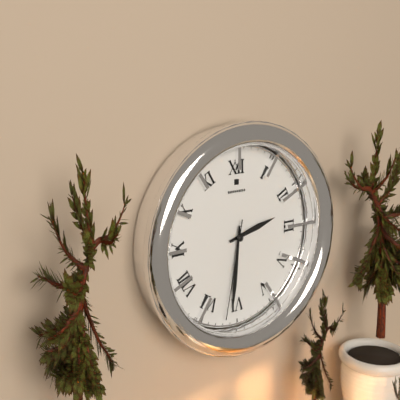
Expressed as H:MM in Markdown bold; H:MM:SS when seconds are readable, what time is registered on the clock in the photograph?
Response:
**2:31:32**
